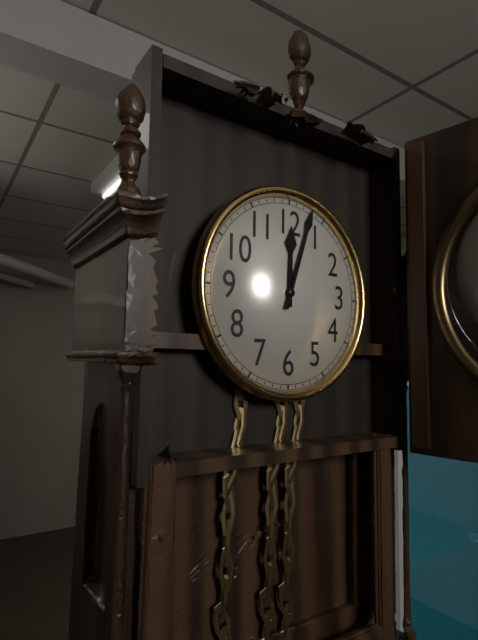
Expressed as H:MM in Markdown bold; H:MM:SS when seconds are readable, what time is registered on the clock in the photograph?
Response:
**12:03**
